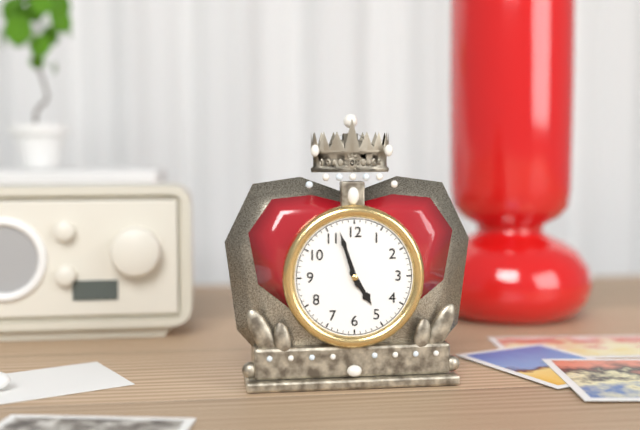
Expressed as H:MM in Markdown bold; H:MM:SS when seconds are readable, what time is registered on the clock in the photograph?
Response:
**4:57**
